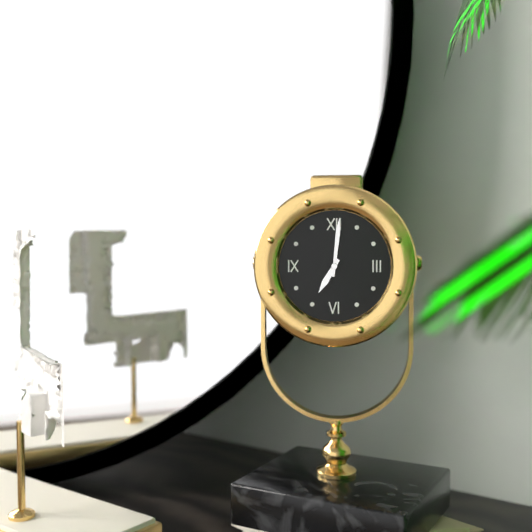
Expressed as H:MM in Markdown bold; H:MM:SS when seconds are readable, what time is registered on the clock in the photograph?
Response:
**7:01**
